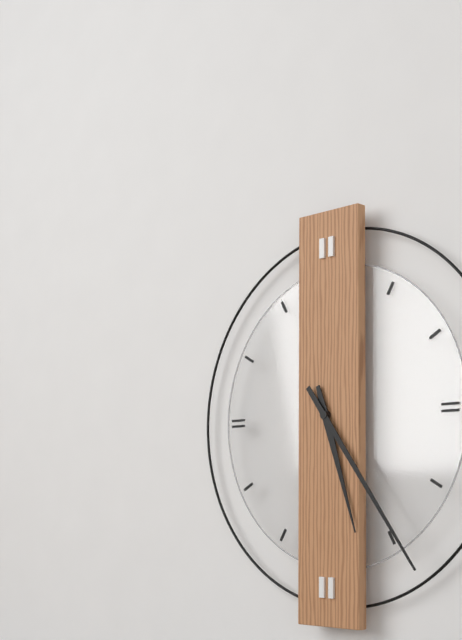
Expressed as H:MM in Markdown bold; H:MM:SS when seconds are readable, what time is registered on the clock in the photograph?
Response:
**5:24**
